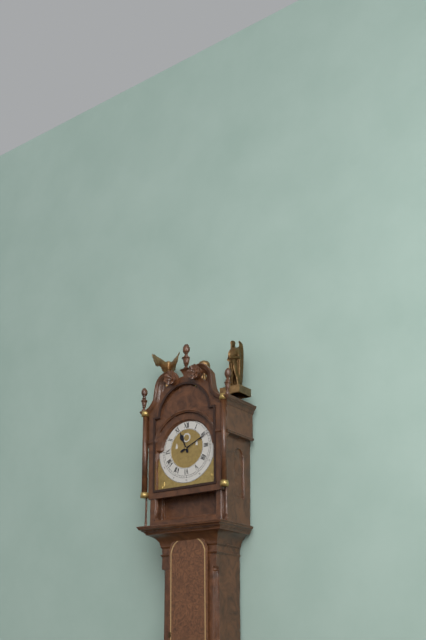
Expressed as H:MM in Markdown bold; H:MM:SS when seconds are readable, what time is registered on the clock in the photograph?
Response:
**11:11**
